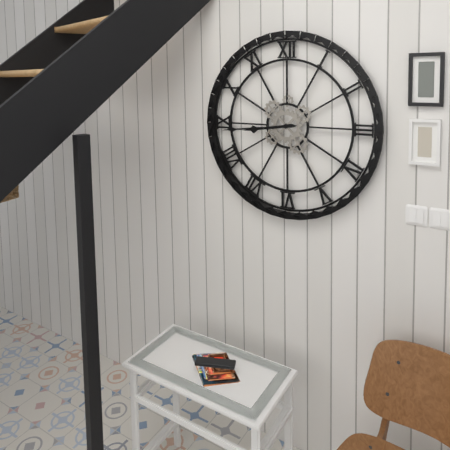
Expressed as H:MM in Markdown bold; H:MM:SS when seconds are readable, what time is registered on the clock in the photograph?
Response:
**8:44**
